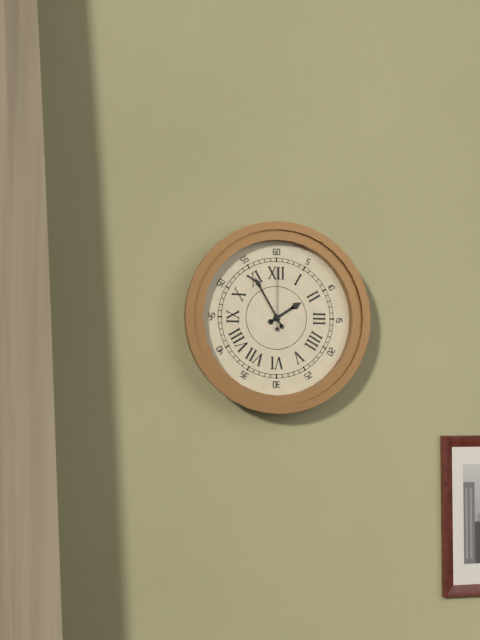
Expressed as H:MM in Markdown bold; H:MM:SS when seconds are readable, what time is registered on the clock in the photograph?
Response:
**1:55:00**
